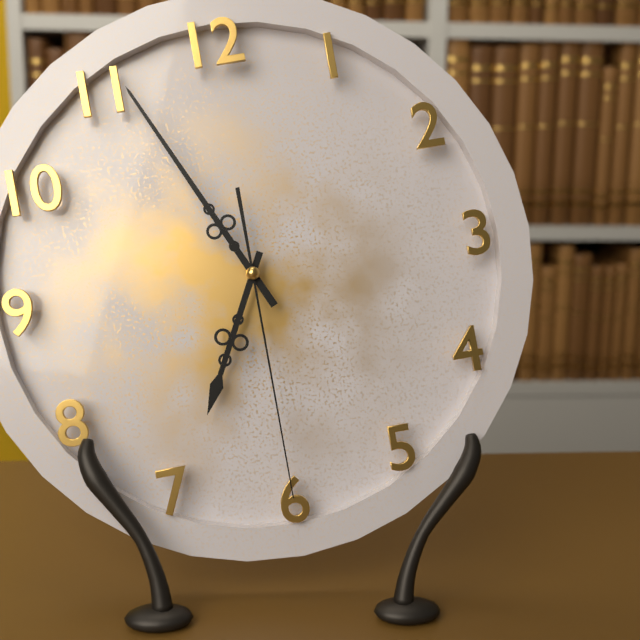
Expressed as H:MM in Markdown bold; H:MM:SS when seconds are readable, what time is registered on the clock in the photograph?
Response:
**6:56:30**
